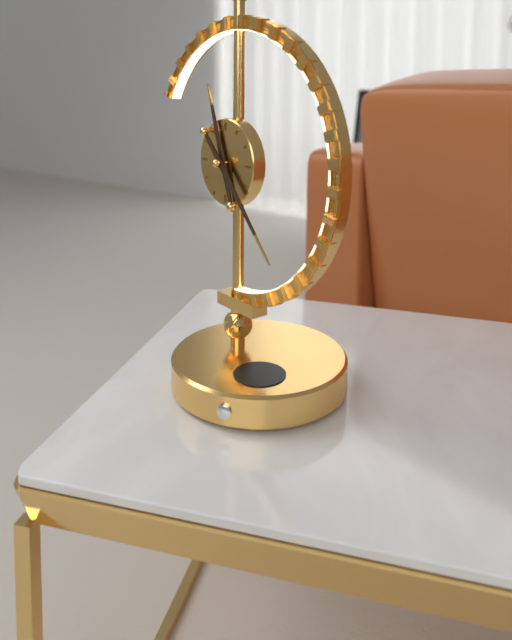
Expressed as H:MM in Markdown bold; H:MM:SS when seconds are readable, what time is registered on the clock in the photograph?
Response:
**11:23**
